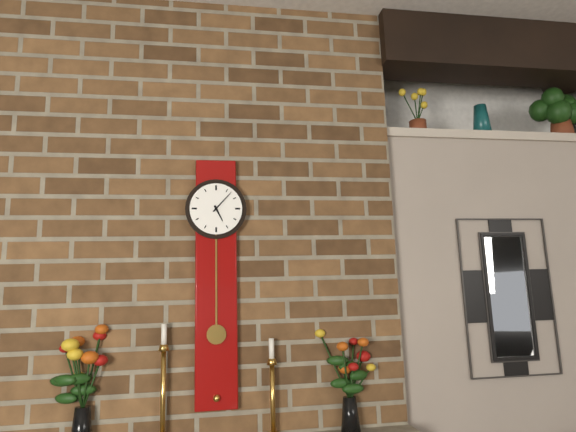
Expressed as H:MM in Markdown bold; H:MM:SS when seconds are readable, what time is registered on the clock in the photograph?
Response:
**5:07**
